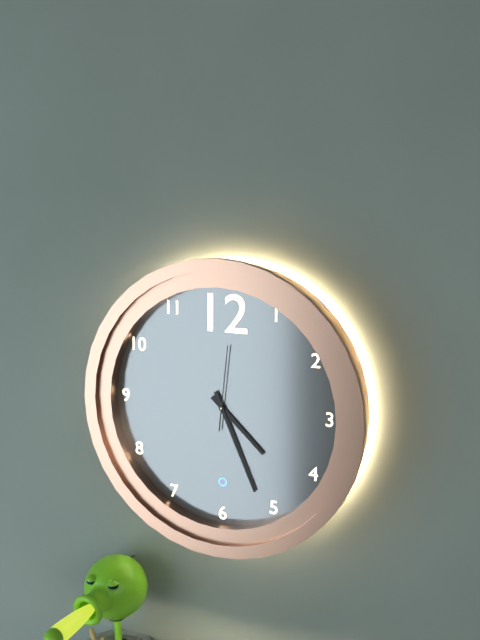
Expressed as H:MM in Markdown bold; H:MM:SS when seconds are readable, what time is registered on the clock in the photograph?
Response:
**4:26:01**
